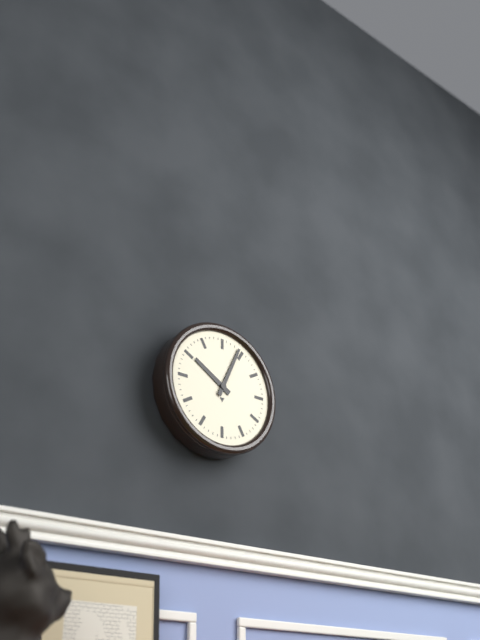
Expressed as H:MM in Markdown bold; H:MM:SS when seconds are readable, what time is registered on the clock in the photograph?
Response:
**10:04**
